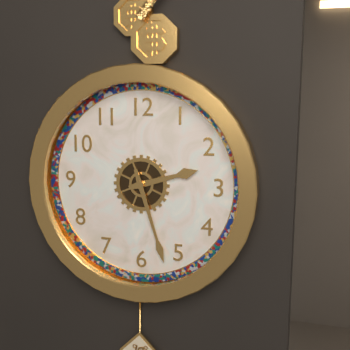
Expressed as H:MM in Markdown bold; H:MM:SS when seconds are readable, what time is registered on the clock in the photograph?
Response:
**2:27**
